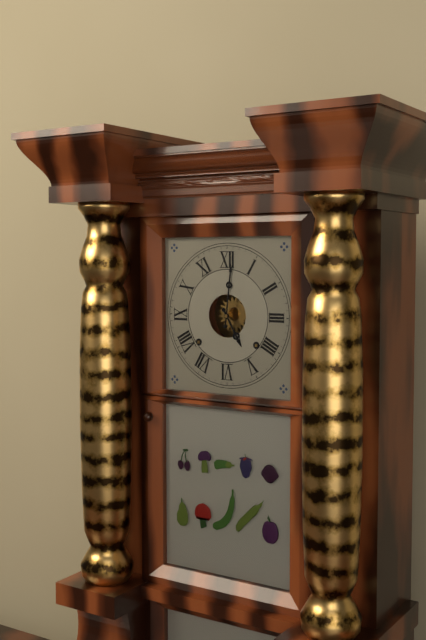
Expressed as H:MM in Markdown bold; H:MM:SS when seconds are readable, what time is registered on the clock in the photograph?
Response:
**5:01**
